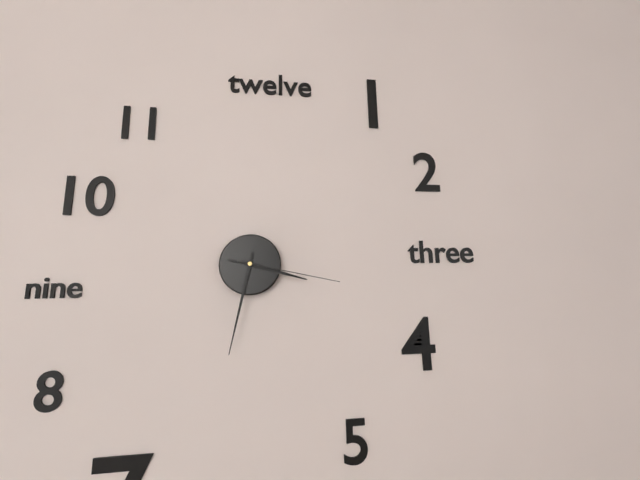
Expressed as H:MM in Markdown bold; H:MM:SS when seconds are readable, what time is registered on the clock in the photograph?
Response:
**3:32:17**
